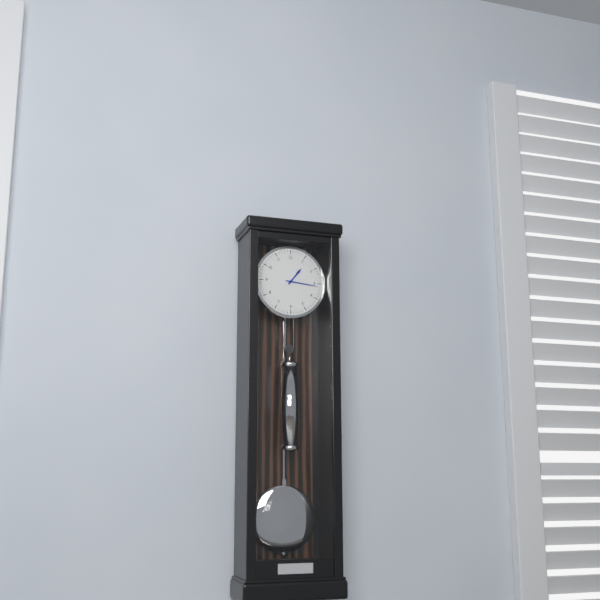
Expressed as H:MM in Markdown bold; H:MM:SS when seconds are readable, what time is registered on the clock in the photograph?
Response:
**1:16**
